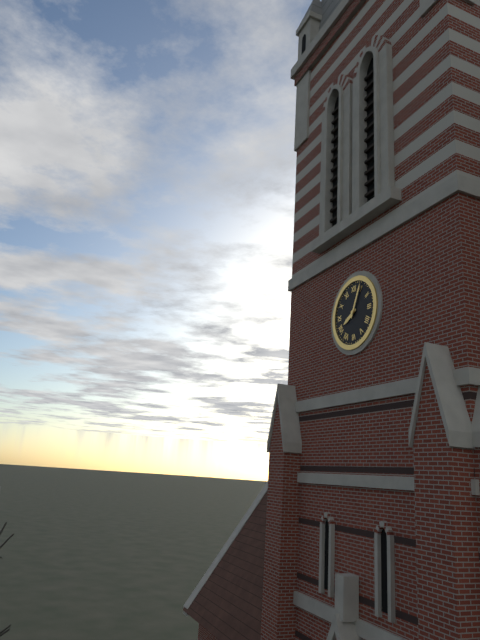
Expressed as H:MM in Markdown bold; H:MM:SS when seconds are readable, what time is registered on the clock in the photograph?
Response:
**8:04**
